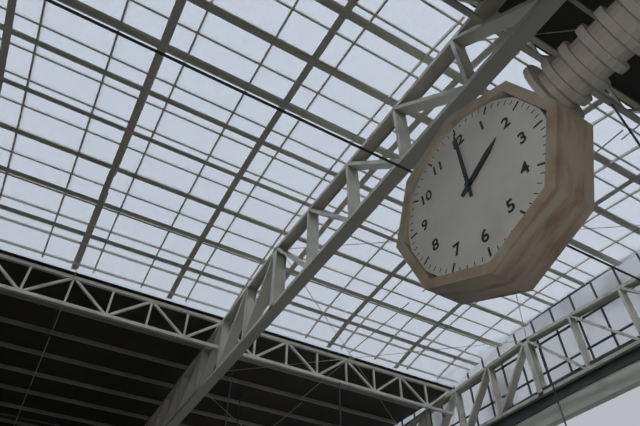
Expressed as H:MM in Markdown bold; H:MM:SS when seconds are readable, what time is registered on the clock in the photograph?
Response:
**2:00**
